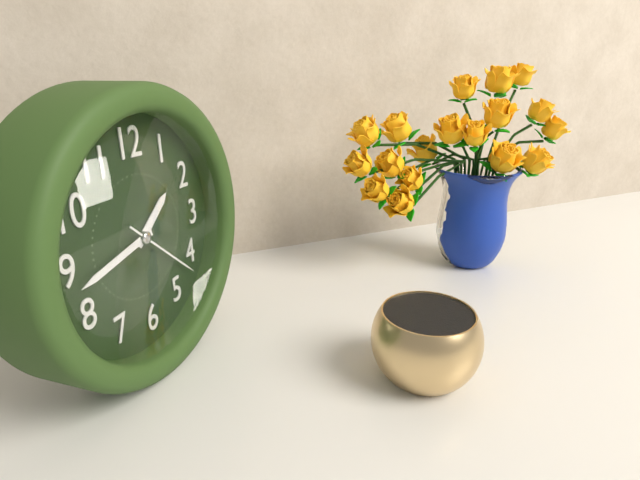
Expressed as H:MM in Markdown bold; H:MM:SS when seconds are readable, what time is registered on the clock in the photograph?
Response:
**1:43:22**
